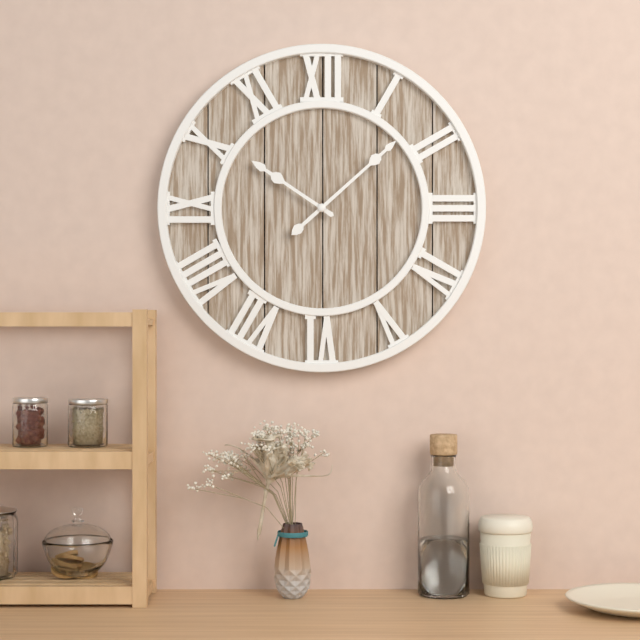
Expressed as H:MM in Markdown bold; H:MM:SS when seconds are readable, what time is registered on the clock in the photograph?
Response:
**10:08**
